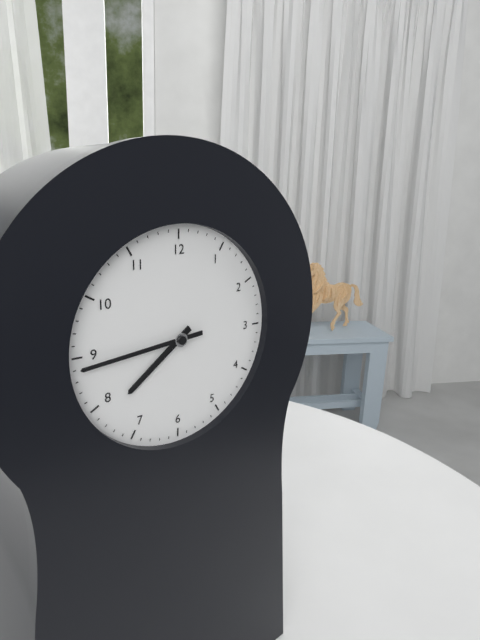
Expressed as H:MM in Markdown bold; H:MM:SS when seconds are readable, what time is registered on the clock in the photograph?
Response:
**7:44**
